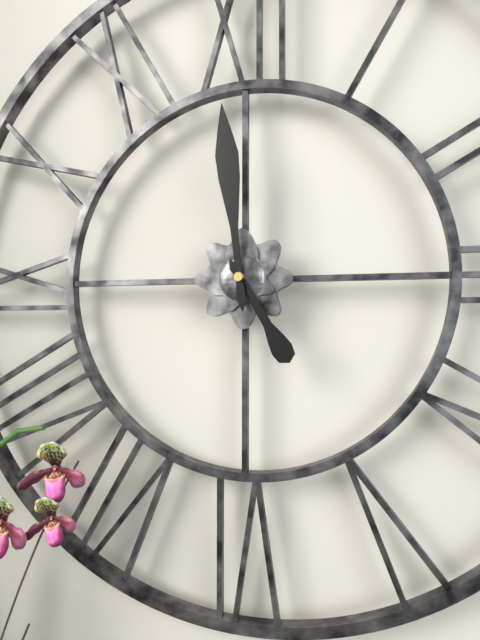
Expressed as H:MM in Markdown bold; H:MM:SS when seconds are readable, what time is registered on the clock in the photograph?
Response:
**4:59**
